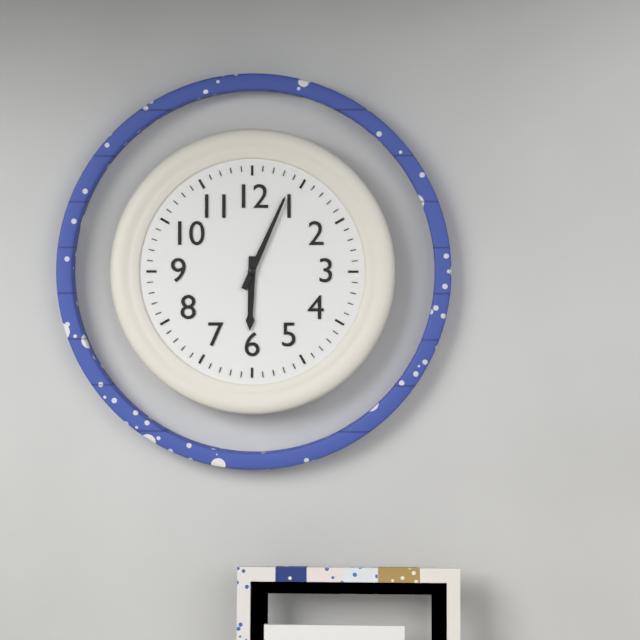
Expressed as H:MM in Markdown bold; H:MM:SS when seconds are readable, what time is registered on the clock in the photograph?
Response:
**6:04**
